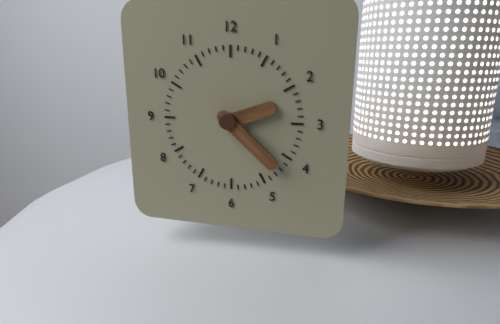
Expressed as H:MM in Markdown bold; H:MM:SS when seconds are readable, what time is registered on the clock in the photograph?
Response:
**2:22**
